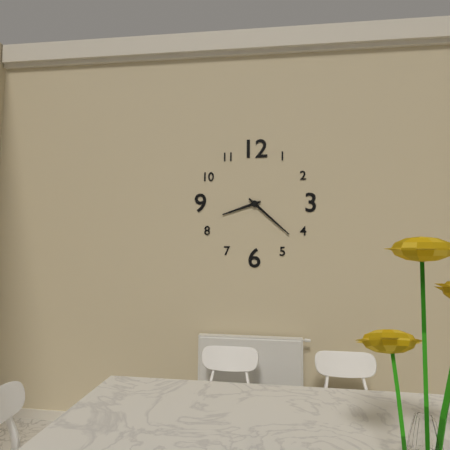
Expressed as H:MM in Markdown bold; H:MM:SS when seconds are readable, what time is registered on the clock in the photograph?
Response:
**8:22**
